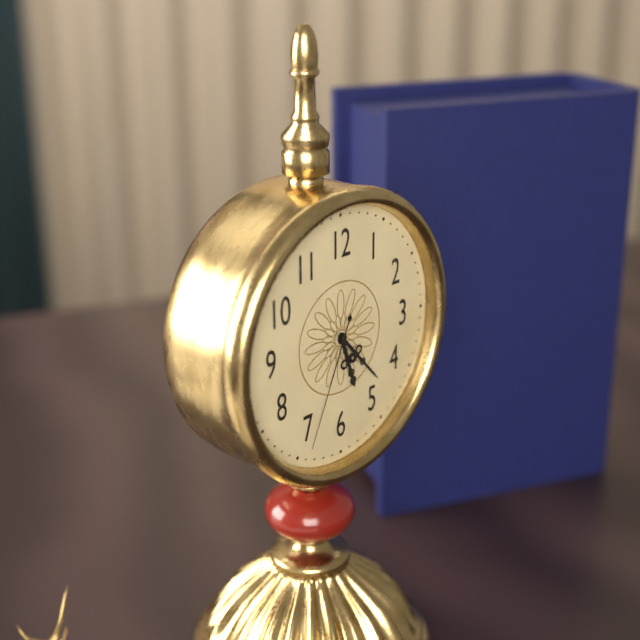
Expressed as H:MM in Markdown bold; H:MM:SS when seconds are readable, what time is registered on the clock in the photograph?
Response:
**5:23:34**
